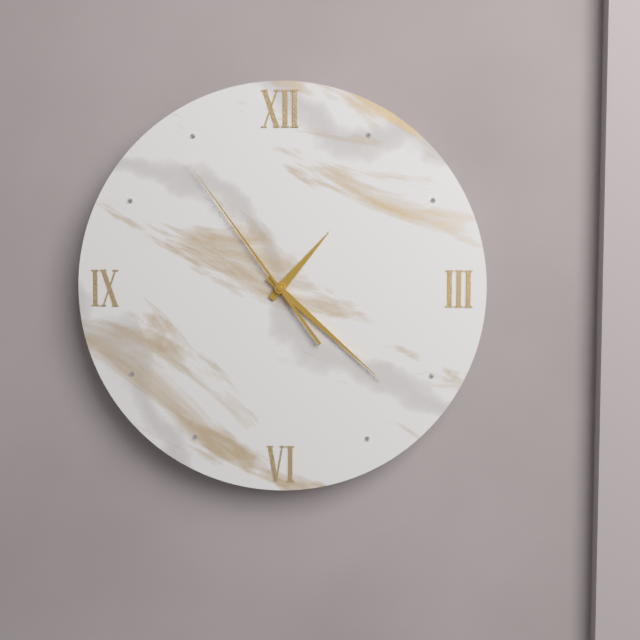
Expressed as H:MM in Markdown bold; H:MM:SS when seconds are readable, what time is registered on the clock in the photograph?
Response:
**1:22:54**
